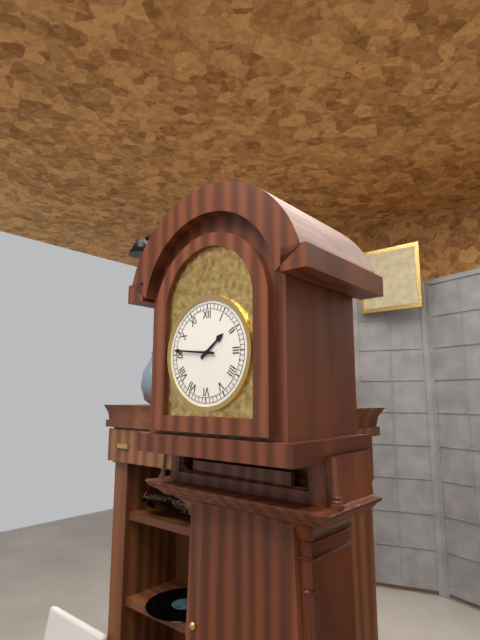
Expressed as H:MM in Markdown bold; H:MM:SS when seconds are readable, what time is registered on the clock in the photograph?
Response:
**1:46**
